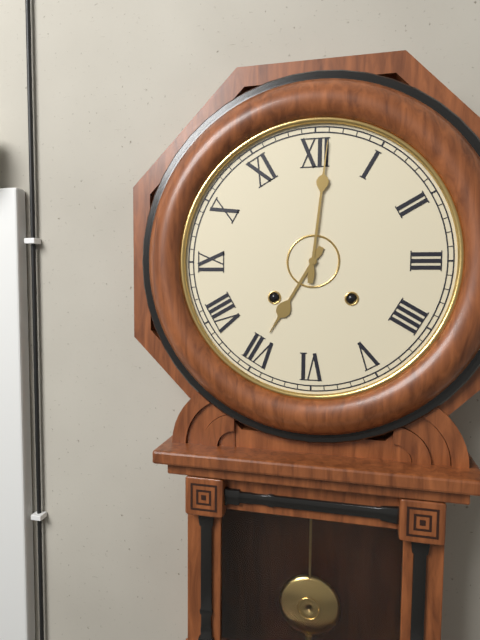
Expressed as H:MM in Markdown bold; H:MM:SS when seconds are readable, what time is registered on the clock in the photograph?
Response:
**7:01**
